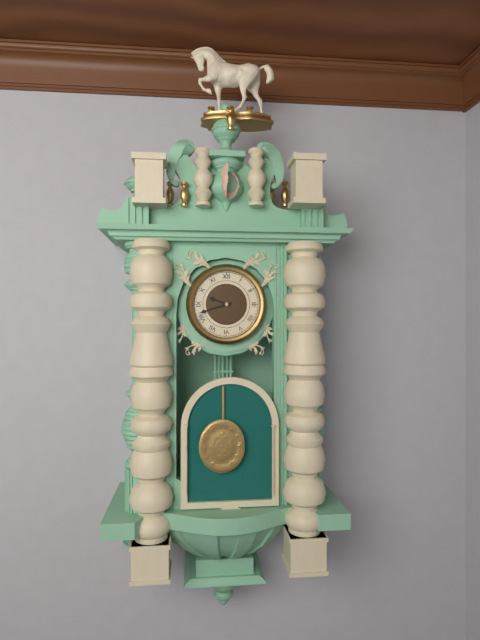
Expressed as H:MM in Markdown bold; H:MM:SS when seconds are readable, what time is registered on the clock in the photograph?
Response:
**9:42**
